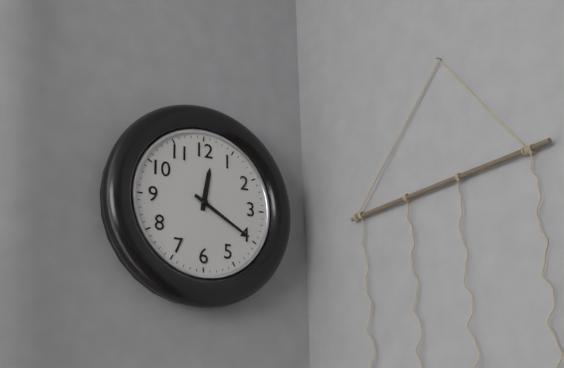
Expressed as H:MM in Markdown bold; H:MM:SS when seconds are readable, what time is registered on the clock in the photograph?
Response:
**12:20**
